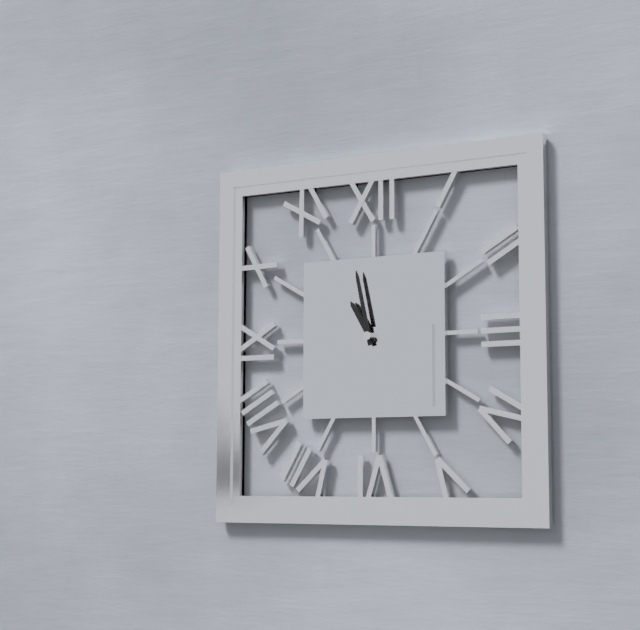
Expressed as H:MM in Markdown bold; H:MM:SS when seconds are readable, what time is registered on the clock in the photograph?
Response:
**10:58**
